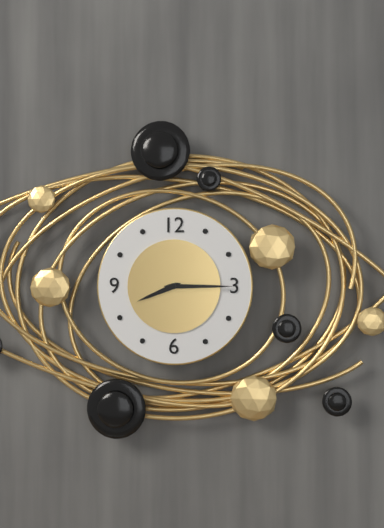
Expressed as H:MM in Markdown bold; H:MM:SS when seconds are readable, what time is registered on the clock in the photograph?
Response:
**8:15**
